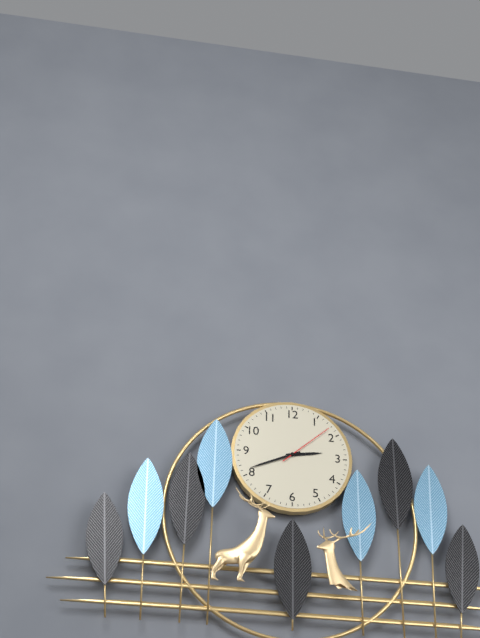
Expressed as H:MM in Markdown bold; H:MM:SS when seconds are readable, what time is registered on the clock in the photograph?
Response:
**2:41:08**
